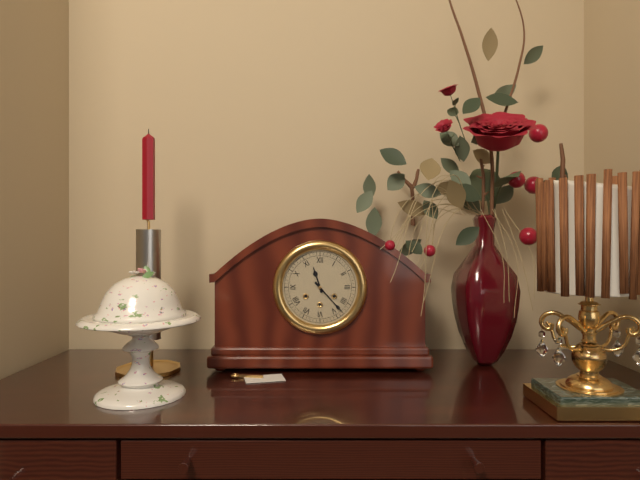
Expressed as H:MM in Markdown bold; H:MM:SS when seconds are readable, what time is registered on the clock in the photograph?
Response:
**11:23**
